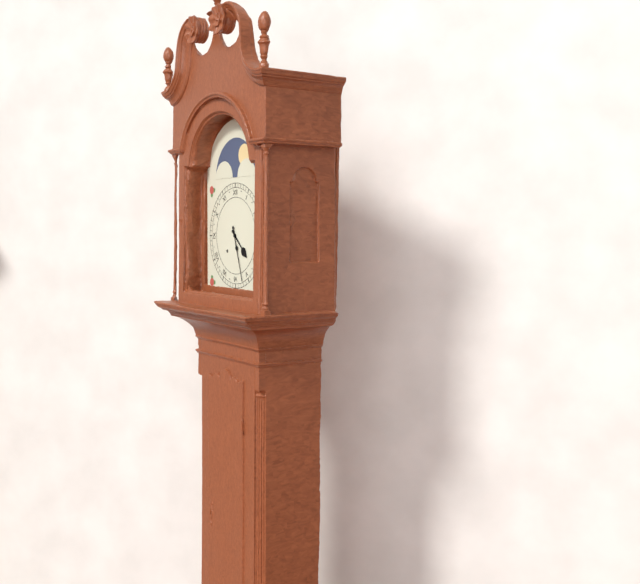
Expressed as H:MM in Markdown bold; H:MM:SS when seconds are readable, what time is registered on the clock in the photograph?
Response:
**4:27**
